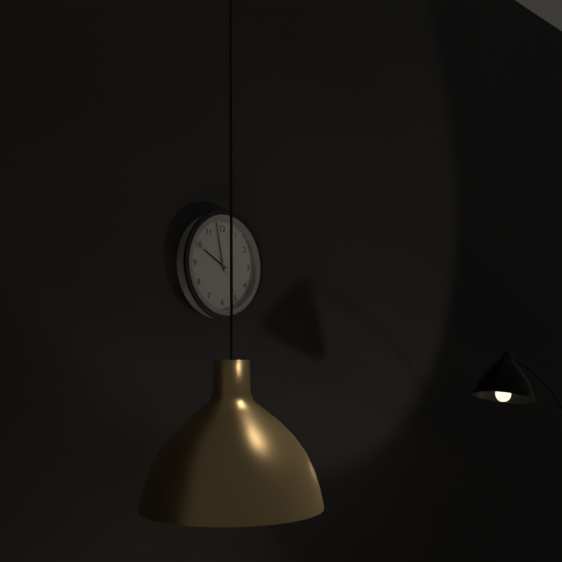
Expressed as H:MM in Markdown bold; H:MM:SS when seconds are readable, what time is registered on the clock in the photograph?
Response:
**9:58:25**
